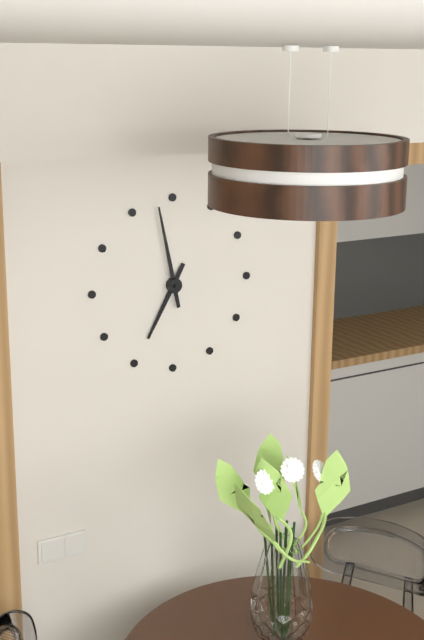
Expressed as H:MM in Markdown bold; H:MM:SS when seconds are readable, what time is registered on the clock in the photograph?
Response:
**6:58**
